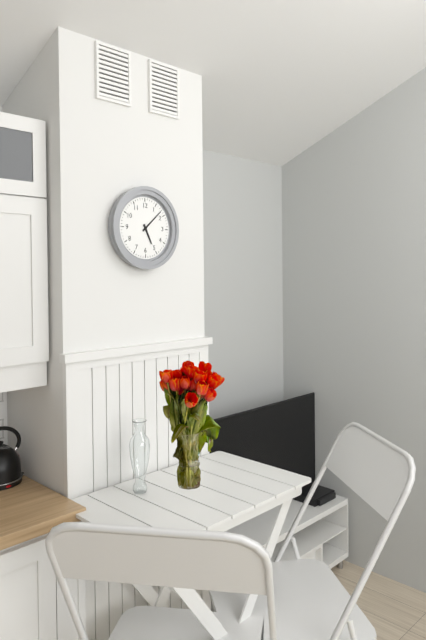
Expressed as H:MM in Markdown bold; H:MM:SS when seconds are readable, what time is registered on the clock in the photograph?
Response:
**5:08**
